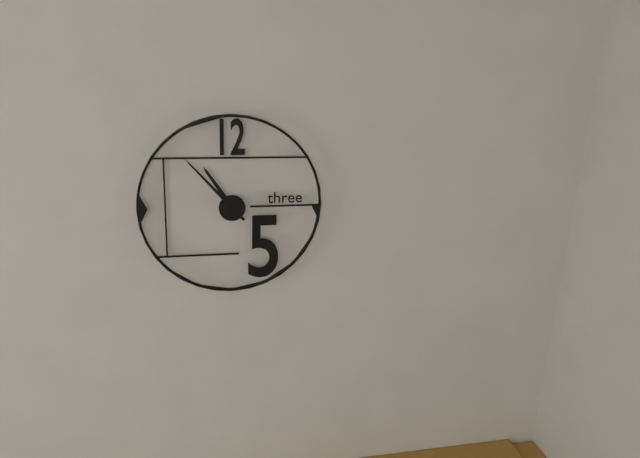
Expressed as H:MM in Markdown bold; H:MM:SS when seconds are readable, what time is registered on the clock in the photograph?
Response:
**10:53**
